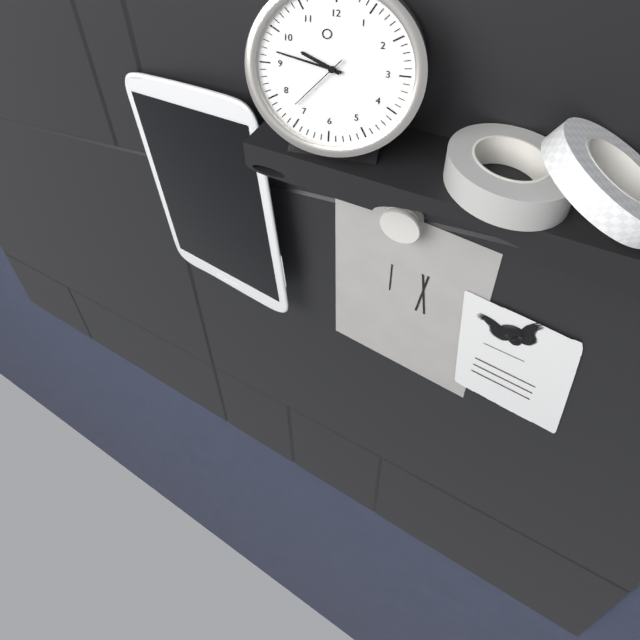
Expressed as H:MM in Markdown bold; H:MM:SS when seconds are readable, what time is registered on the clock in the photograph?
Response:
**9:47:37**
